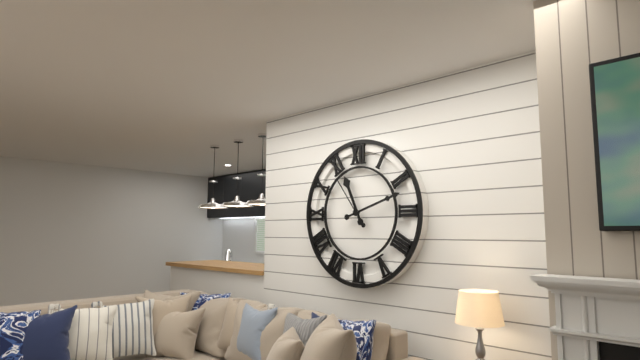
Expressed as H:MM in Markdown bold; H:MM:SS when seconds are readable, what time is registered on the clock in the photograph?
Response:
**11:12**
